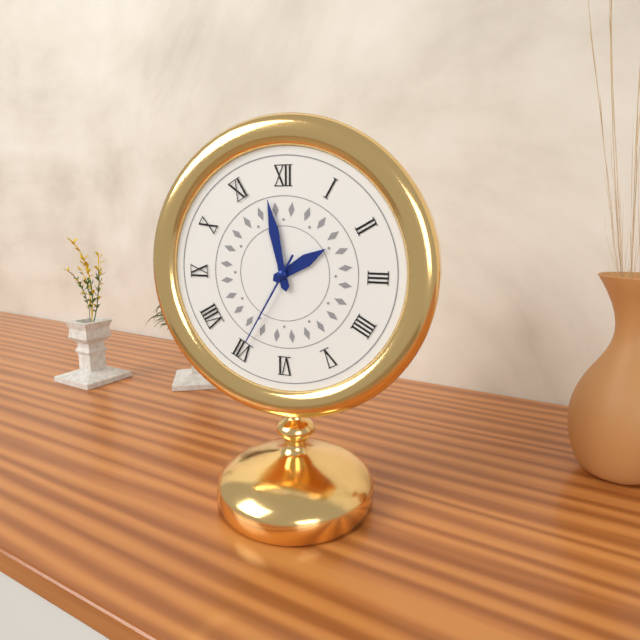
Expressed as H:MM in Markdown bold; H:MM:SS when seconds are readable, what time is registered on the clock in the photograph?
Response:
**1:58:35**
